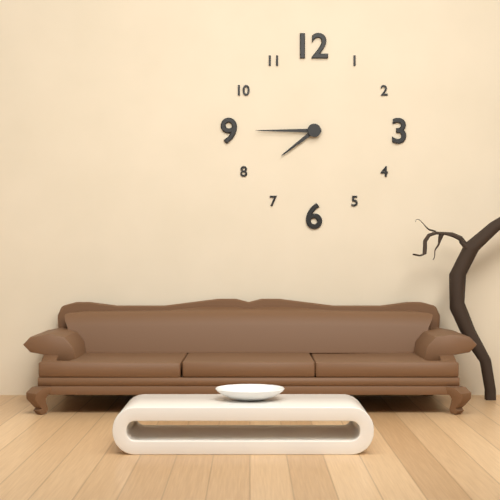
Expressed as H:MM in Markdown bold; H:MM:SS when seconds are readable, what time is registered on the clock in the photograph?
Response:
**7:45**
